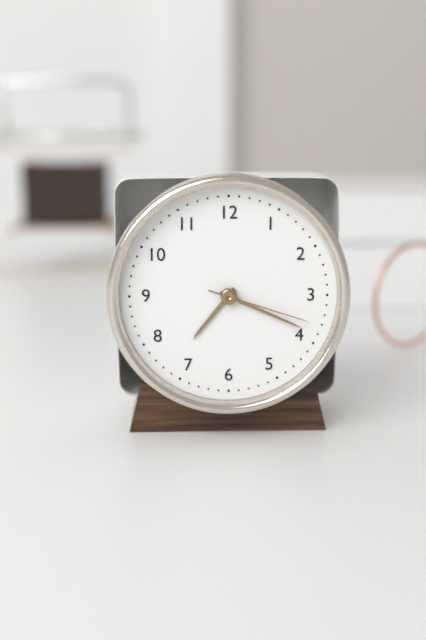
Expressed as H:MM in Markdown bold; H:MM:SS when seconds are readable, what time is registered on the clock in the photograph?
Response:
**7:19:18**
